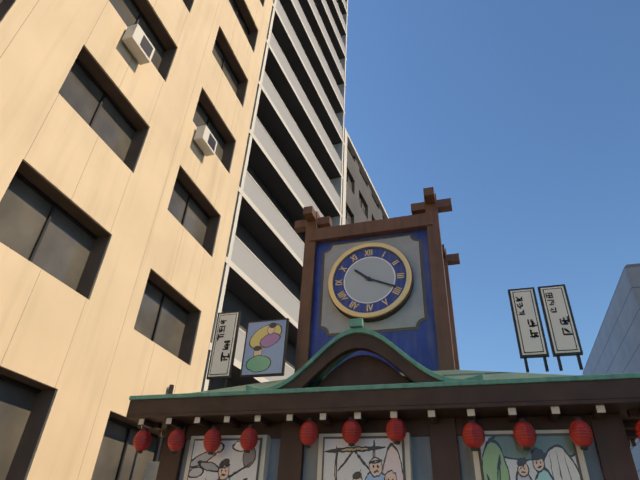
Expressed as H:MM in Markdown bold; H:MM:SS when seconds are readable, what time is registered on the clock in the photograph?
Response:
**10:19**
